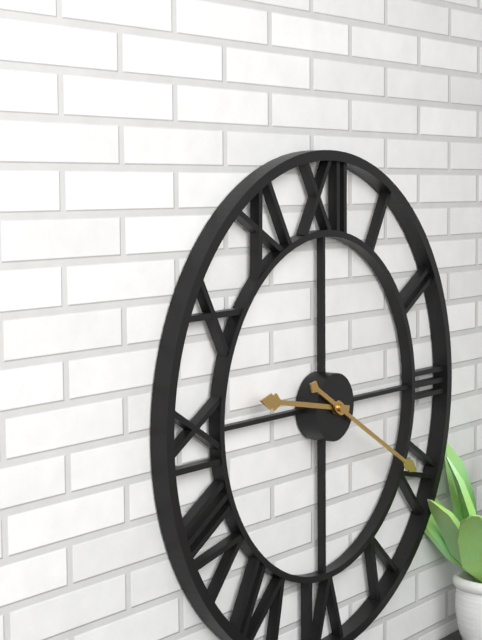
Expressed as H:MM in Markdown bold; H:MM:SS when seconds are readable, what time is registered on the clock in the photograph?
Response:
**9:20**
